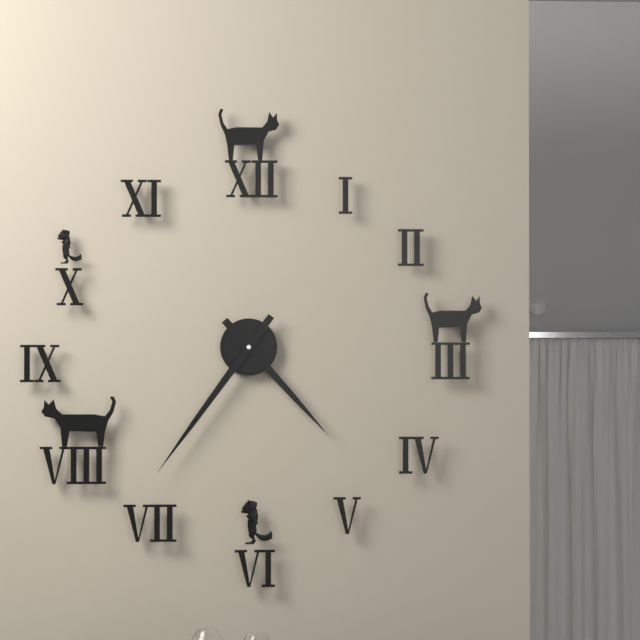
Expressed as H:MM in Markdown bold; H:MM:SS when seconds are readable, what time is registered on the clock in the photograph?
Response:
**4:36**
